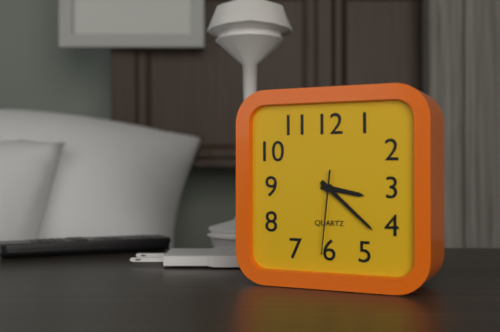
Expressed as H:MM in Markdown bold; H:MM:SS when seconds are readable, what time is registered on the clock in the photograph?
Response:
**3:22:31**
